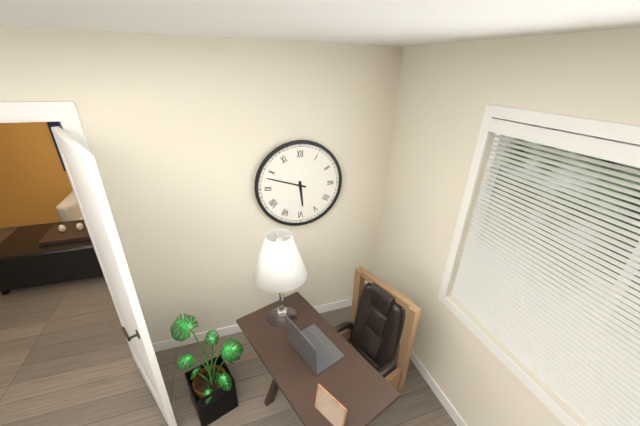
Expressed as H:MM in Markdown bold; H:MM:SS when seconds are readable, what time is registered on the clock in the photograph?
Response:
**5:48**
